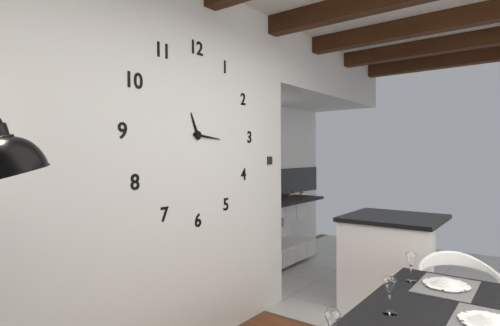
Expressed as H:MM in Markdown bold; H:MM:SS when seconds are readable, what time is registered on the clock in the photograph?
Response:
**11:16**
